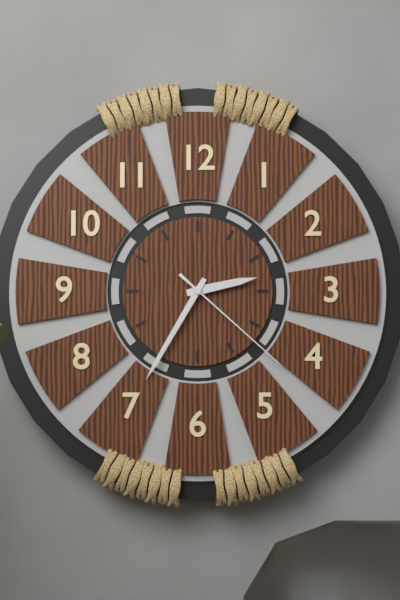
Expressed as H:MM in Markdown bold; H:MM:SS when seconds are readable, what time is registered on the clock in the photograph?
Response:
**2:35:22**
